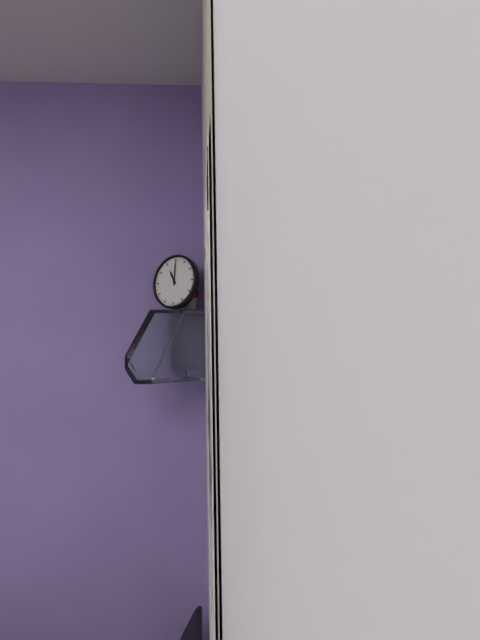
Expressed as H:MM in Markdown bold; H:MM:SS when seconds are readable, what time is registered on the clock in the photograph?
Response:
**11:00**
